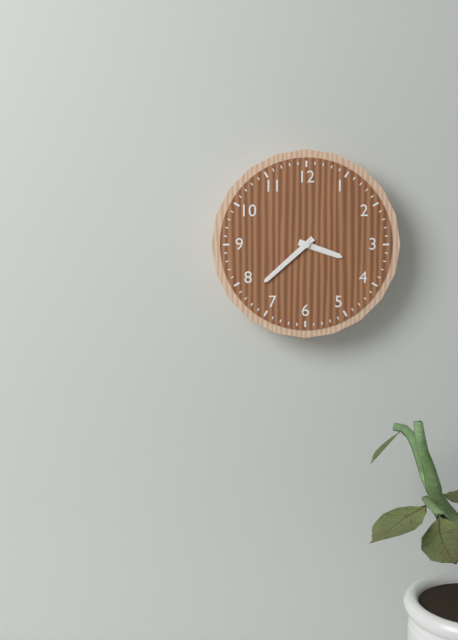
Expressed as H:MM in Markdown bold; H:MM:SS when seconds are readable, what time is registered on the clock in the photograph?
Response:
**3:38**
